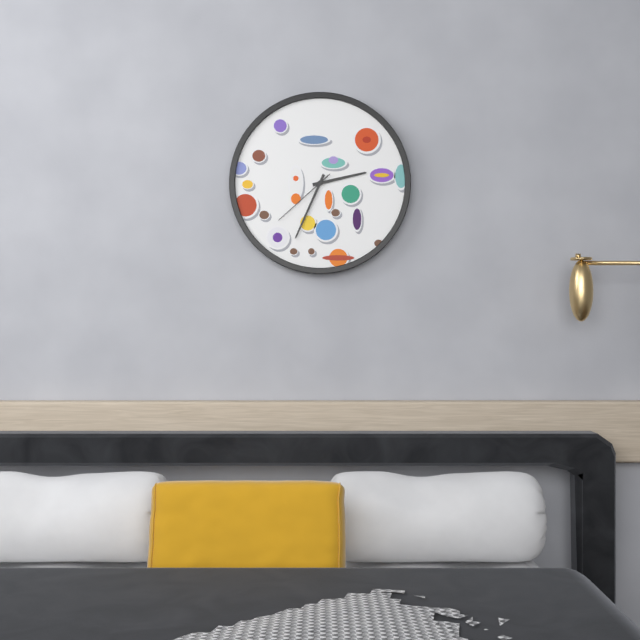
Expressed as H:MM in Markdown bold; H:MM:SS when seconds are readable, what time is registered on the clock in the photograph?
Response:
**2:34:38**
